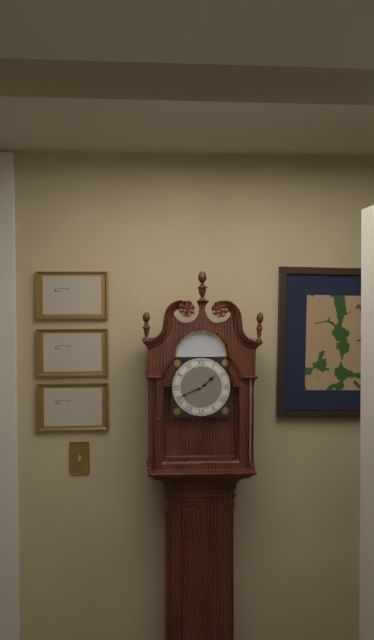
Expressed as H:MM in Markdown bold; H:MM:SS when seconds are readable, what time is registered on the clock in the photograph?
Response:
**1:41**
